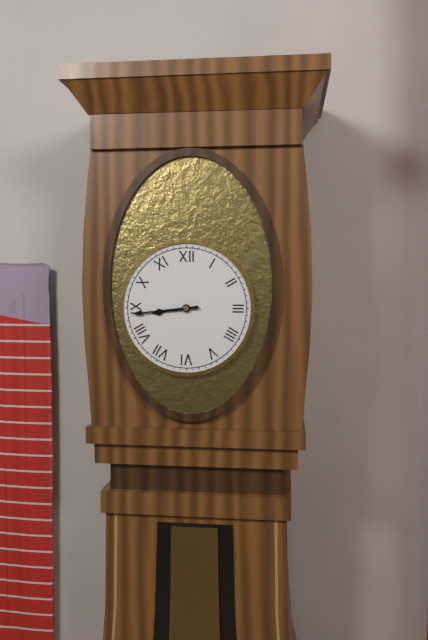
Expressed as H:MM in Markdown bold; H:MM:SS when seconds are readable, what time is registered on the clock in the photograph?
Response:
**8:44**
